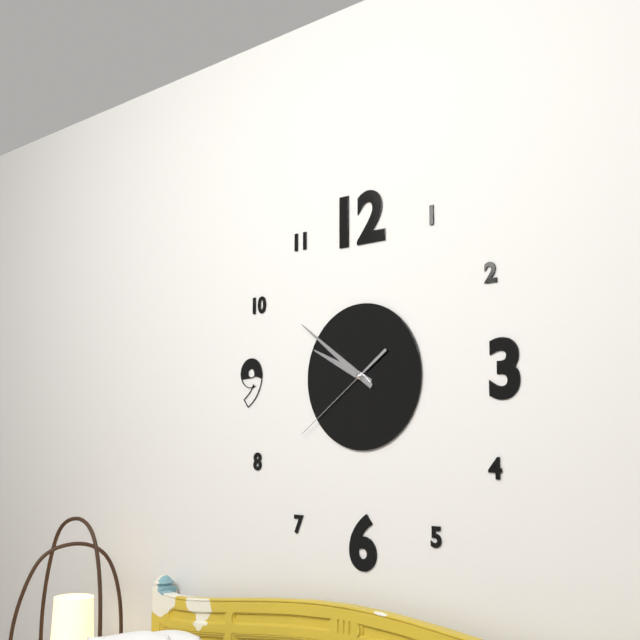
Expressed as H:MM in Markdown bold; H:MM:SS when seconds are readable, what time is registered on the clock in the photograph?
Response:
**9:51:39**
